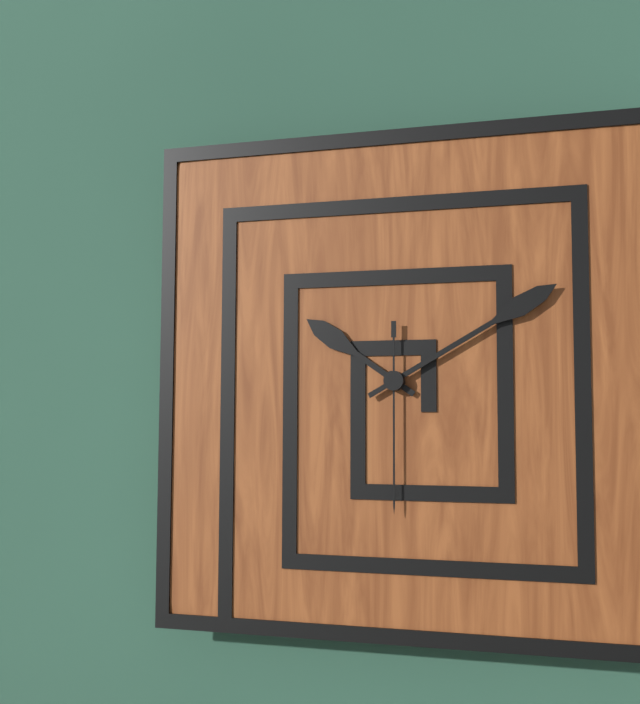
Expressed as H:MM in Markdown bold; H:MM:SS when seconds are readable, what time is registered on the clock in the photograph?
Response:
**10:10:30**
